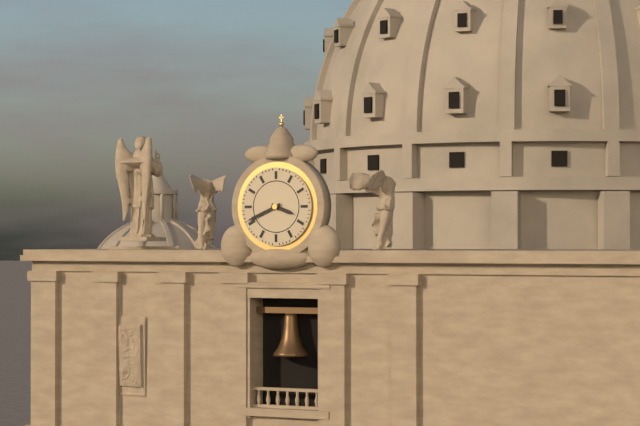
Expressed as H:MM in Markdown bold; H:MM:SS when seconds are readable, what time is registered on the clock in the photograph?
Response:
**3:41**
